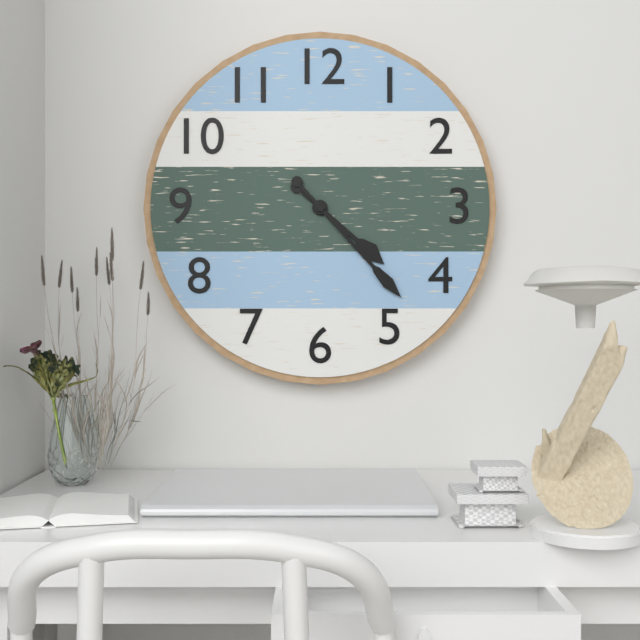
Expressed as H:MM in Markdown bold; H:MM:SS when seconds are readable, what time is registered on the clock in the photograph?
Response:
**4:23**
